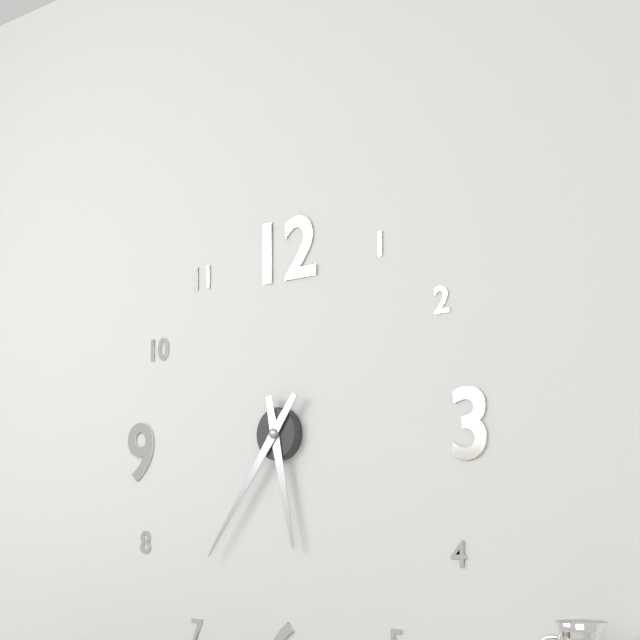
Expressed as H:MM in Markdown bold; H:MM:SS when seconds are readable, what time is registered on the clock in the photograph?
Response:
**5:36**
